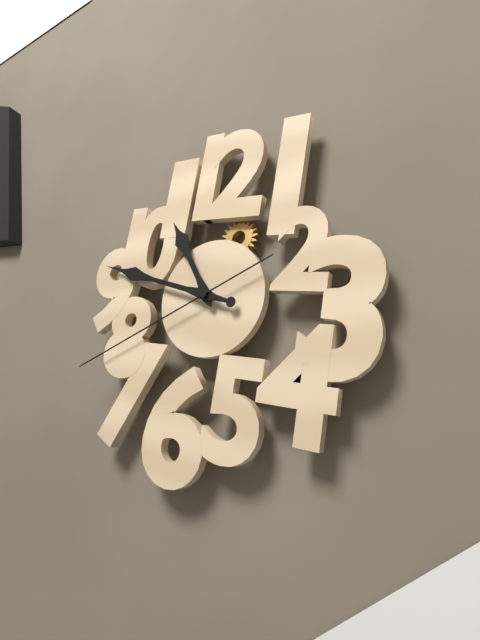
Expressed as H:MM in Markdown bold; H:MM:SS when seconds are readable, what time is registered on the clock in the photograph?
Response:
**10:47:40**
